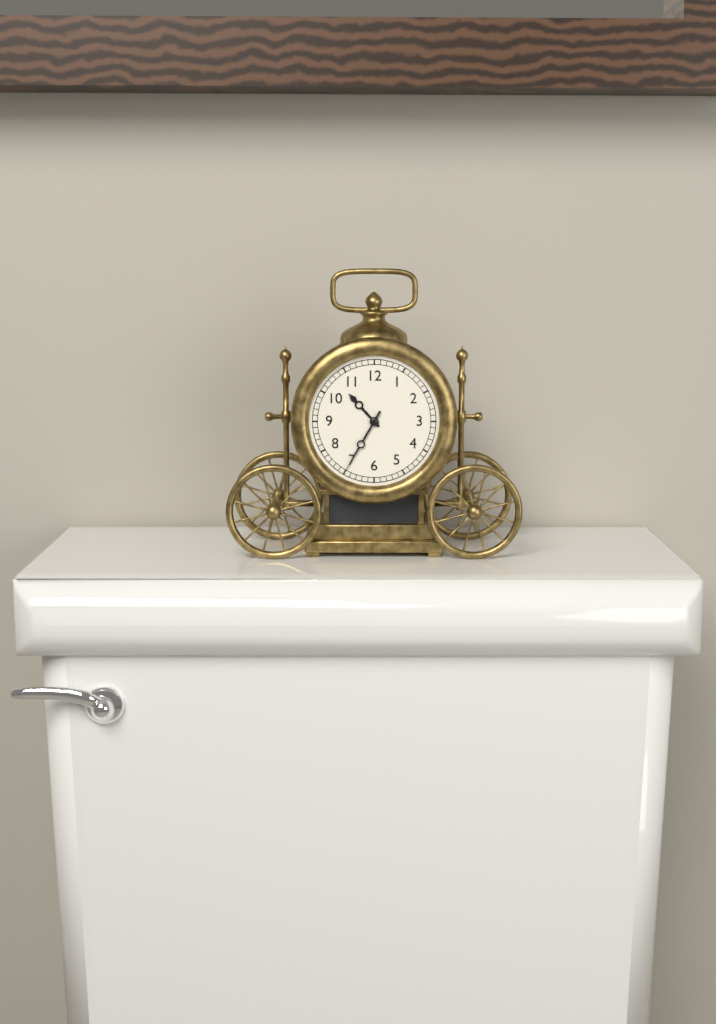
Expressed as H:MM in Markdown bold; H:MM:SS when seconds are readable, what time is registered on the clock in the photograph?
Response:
**10:35**
